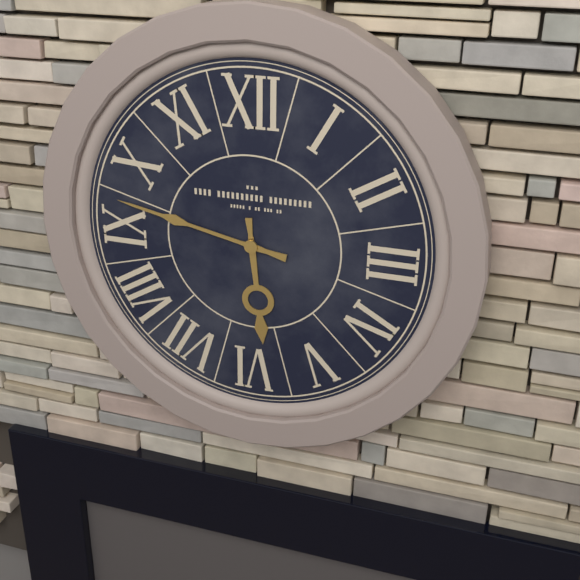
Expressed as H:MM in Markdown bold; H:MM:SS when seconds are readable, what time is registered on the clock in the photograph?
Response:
**5:47**
